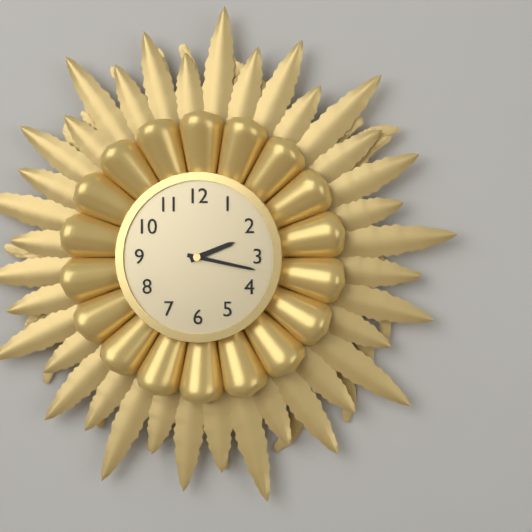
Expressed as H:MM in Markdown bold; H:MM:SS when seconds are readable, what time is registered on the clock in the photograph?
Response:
**2:17**
